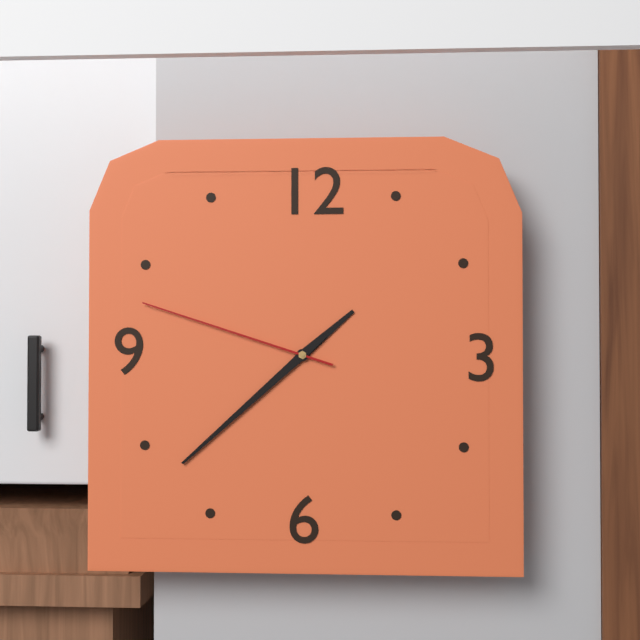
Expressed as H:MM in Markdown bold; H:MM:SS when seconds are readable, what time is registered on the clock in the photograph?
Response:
**1:38:48**
